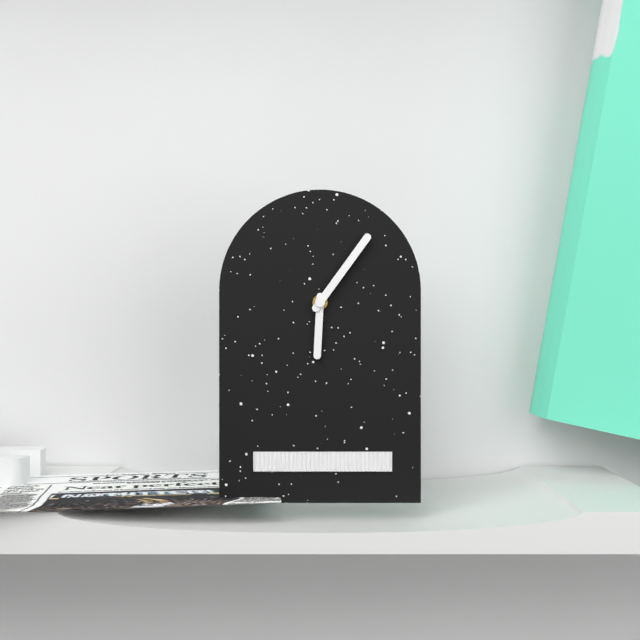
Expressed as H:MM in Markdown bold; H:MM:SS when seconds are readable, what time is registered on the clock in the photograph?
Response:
**6:06**
